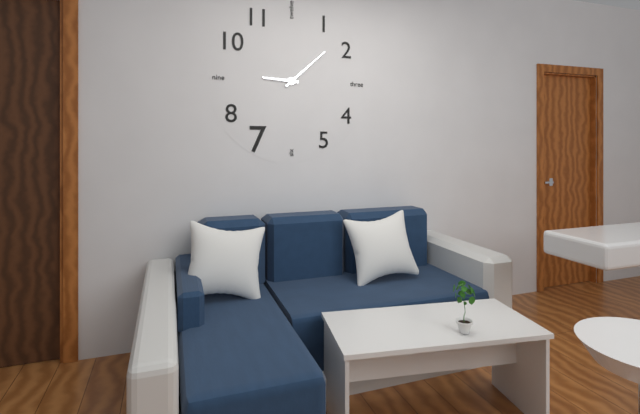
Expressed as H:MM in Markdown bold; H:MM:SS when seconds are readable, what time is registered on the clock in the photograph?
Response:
**9:08**
